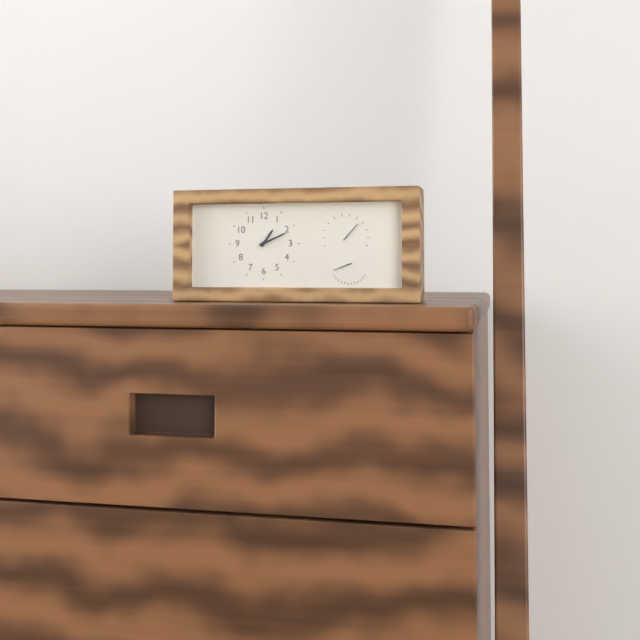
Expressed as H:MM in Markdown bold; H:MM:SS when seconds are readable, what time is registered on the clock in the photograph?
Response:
**1:11**
